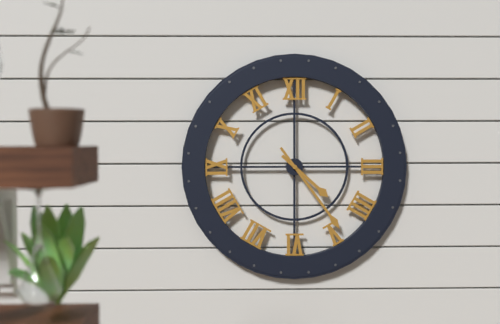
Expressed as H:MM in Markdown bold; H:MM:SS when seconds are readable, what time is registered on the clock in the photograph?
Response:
**4:24**
